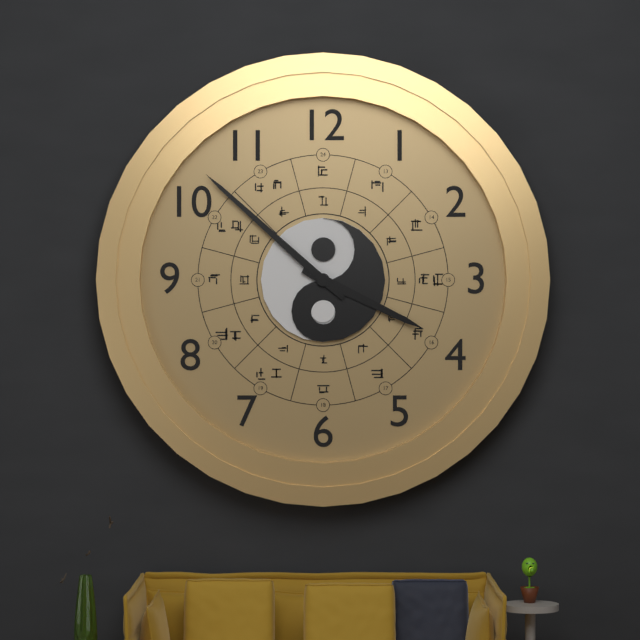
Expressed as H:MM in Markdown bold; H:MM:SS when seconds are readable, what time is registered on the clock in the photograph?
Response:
**3:52**
